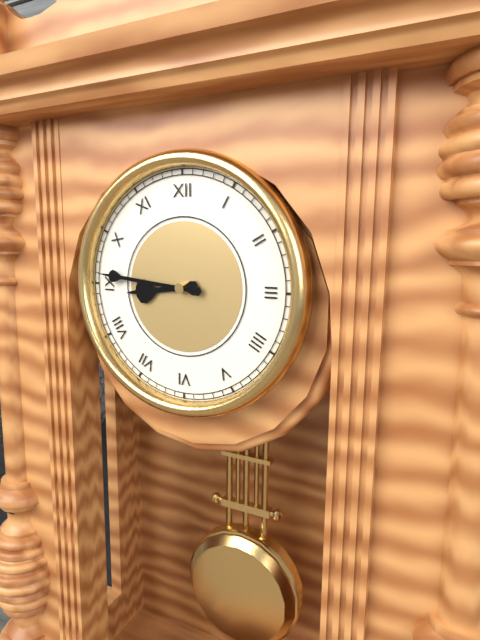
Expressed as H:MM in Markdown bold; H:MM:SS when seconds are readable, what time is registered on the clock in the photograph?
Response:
**8:46**
